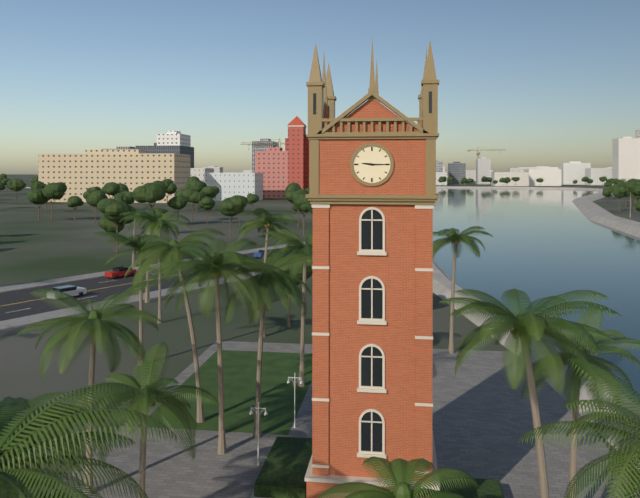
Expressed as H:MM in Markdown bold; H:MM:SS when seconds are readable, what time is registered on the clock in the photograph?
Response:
**9:15**
